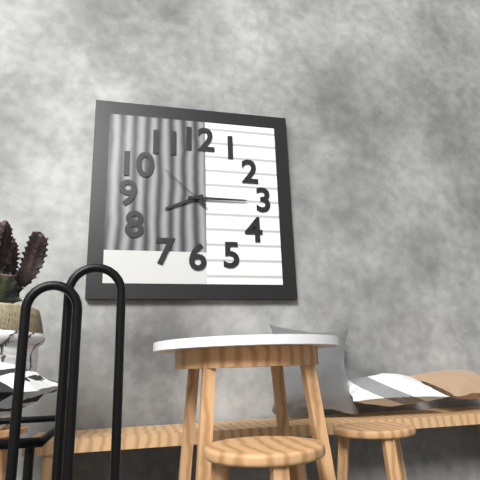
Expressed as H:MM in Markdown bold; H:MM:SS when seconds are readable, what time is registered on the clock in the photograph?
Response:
**8:15:52**
